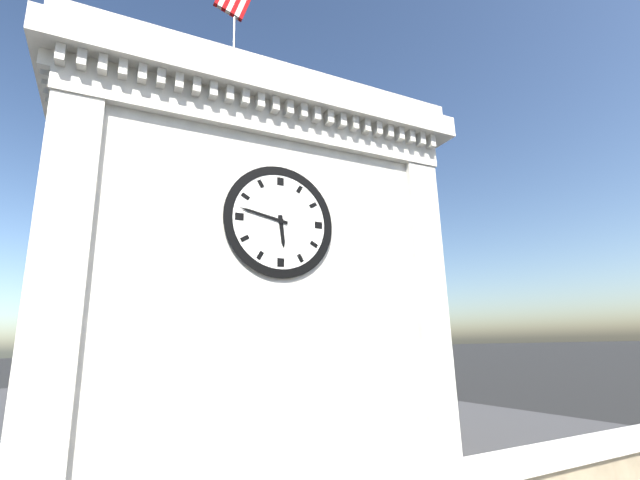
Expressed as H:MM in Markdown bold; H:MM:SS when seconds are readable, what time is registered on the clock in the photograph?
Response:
**5:47**
